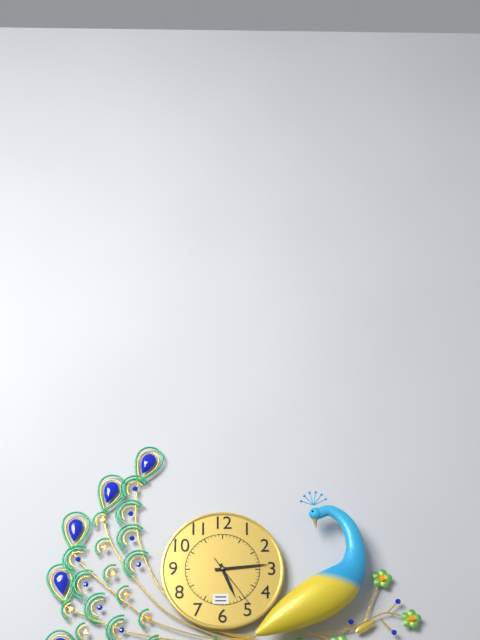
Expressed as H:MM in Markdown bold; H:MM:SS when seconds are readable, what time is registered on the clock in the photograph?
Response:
**5:14:24**
